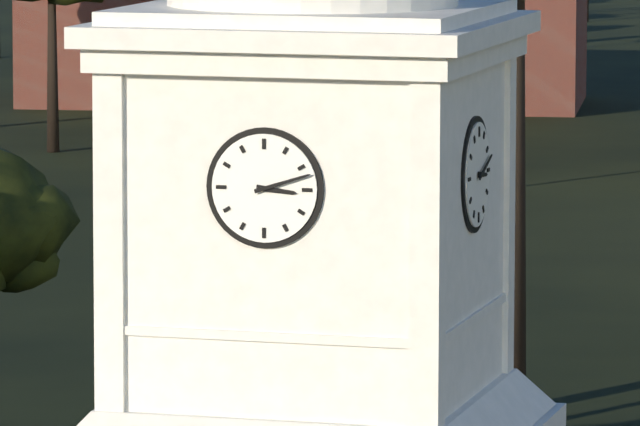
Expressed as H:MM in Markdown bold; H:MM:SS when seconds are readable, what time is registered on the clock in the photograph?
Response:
**3:12**
